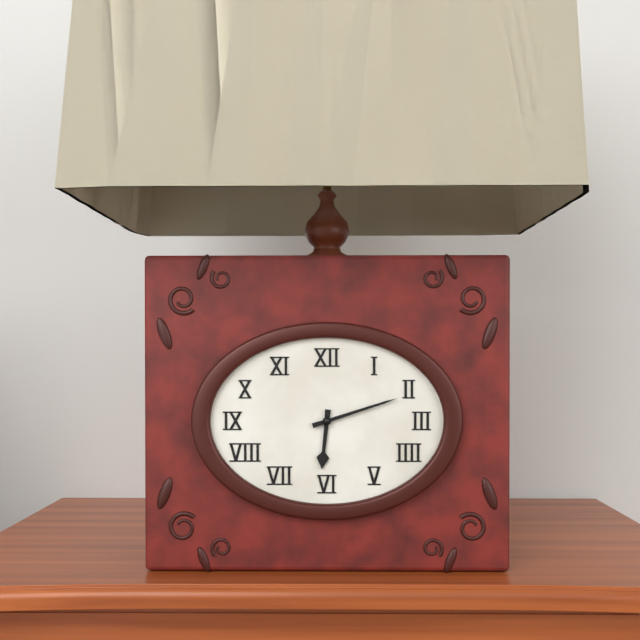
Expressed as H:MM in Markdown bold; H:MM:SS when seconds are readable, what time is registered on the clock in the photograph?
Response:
**6:12**
